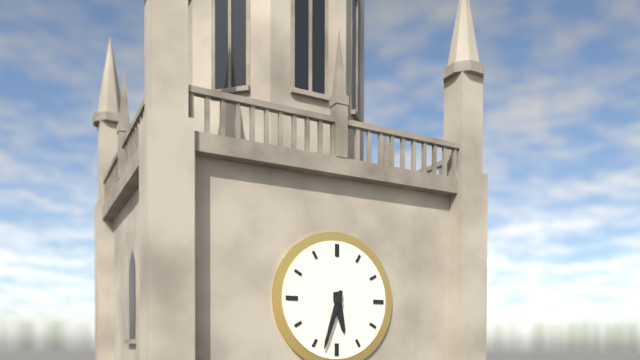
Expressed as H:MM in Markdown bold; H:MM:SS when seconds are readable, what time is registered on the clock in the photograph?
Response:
**5:33**
